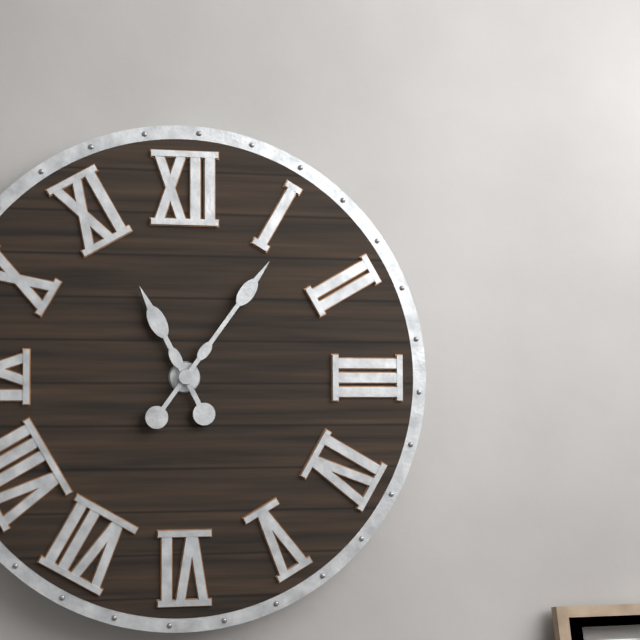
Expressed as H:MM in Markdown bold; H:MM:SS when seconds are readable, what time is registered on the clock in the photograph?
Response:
**11:06**
